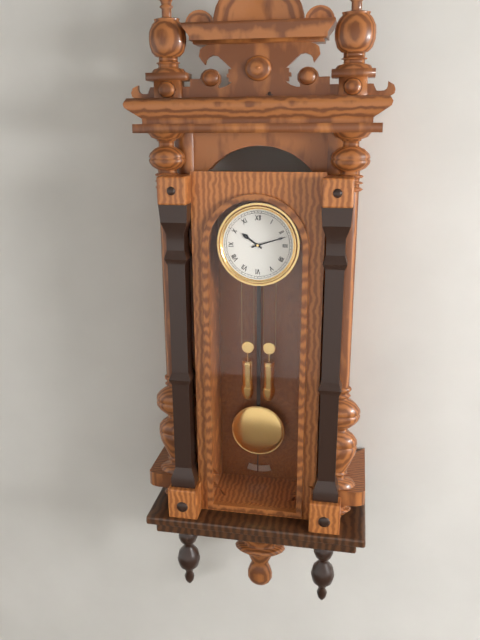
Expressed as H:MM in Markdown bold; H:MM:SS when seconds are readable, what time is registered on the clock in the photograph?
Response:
**10:12**
